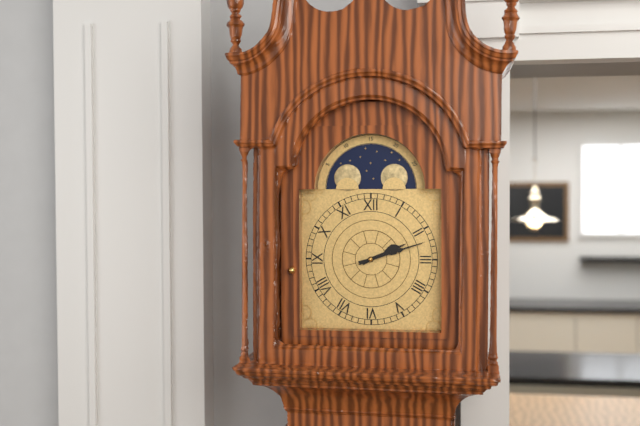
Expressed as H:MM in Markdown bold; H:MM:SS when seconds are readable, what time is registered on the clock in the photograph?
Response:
**2:12**
